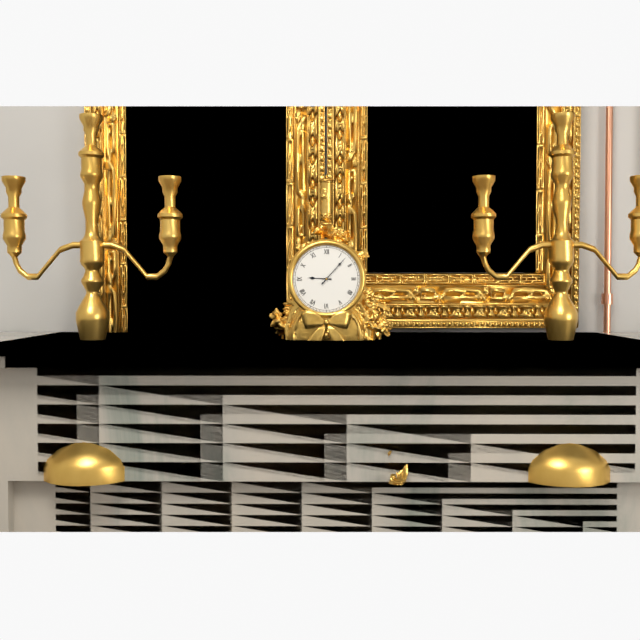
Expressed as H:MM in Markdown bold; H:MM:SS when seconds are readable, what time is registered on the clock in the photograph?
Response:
**9:07**
